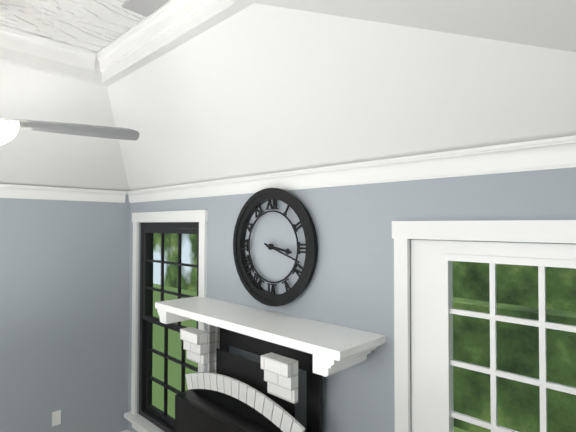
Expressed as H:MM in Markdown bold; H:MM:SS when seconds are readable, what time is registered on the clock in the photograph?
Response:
**3:18**
